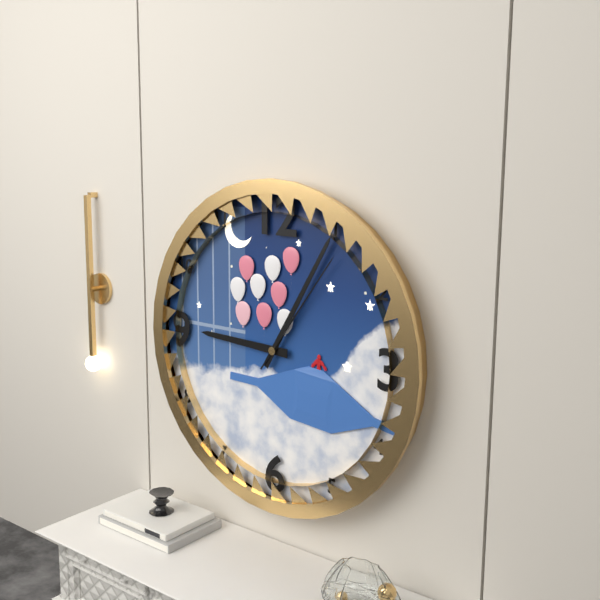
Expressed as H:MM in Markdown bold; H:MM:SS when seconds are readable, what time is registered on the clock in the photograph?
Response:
**9:05:06**
